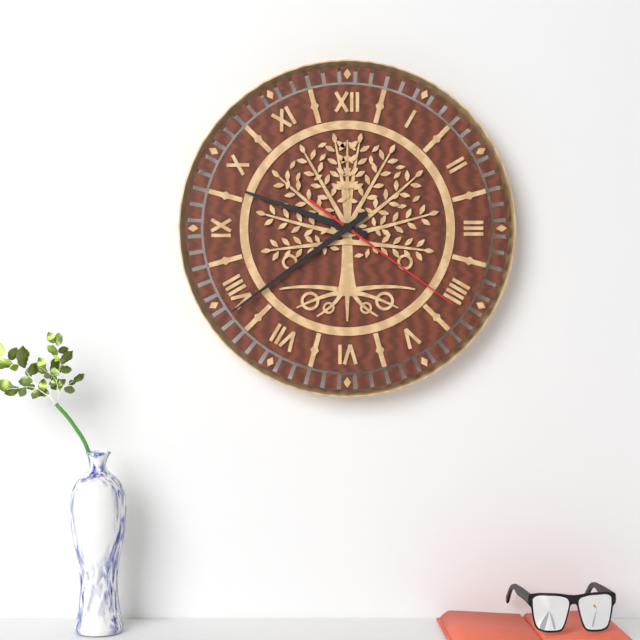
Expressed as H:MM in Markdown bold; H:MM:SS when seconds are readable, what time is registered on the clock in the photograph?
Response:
**9:39:21**
